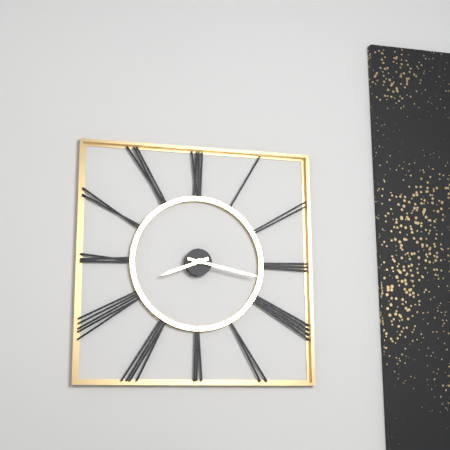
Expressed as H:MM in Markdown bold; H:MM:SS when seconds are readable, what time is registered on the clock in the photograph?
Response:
**8:17**
